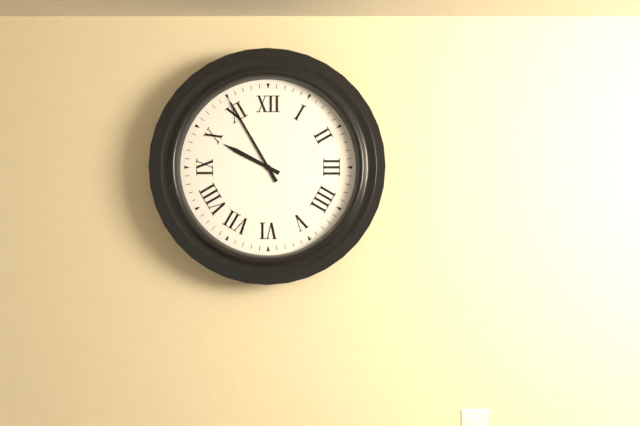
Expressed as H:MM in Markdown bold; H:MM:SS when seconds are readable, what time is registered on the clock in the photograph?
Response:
**9:55**
